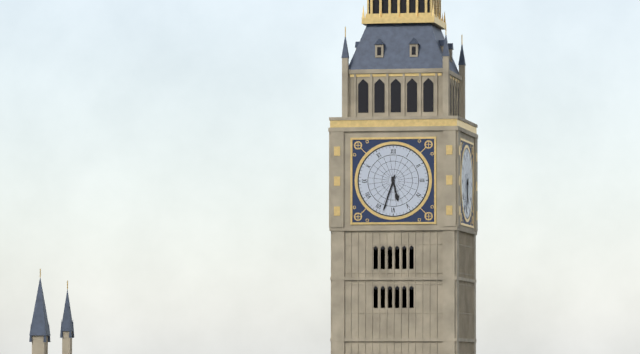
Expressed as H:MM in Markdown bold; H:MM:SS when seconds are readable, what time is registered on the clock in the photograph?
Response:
**5:33**
